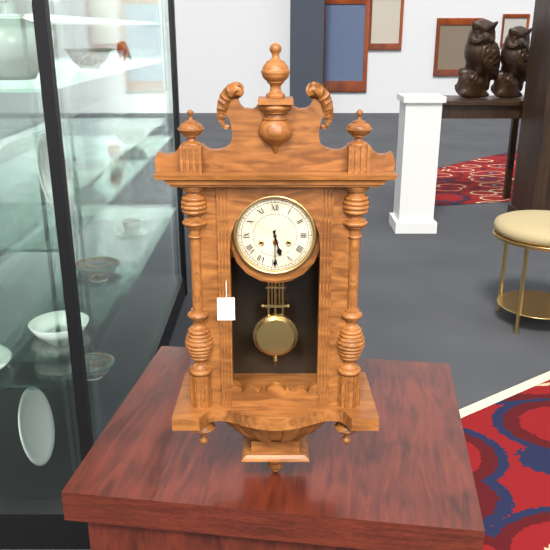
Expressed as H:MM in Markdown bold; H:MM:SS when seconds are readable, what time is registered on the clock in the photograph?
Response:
**5:30**
